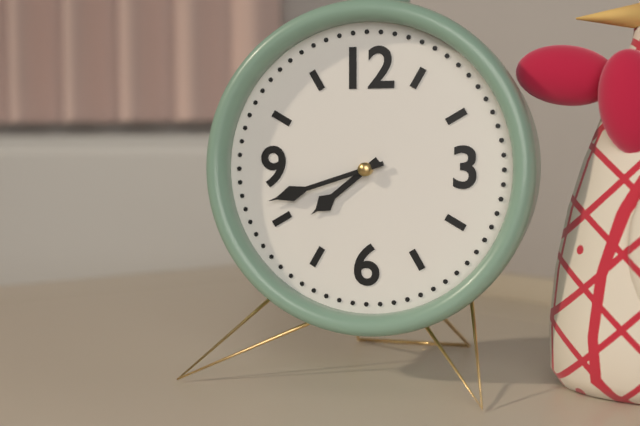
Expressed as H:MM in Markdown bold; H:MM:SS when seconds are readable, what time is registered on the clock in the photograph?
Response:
**7:42**
